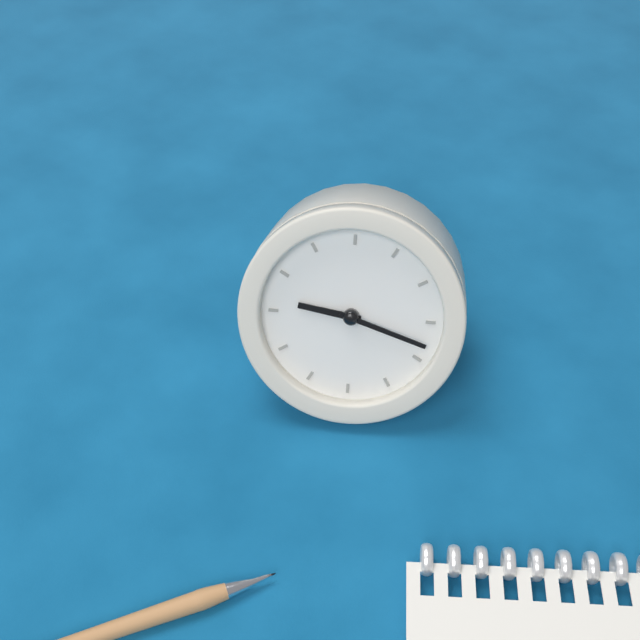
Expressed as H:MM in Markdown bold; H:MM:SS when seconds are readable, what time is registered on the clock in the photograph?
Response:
**9:18**
